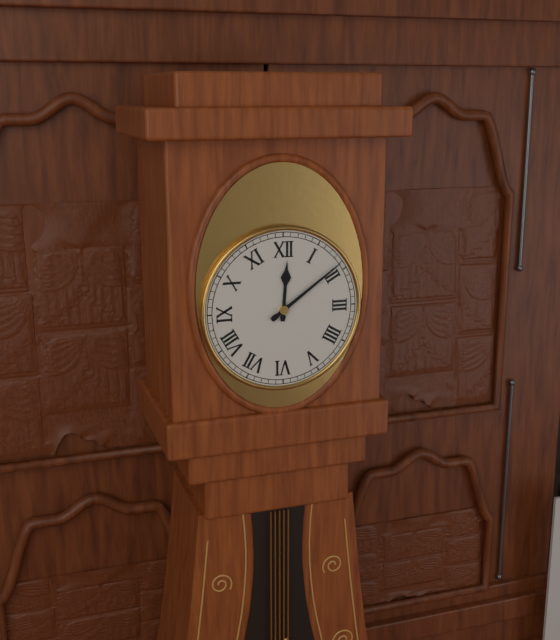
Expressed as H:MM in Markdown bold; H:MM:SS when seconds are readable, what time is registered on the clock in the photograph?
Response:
**12:09**
